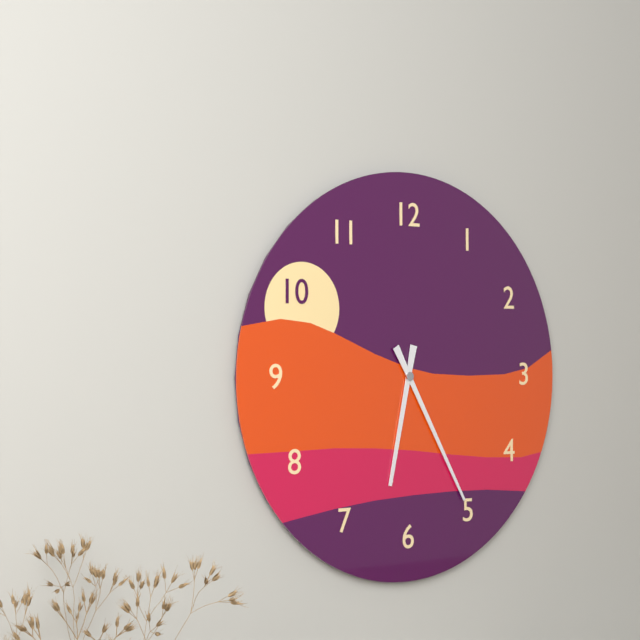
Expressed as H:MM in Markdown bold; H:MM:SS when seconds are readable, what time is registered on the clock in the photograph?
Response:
**6:25**
